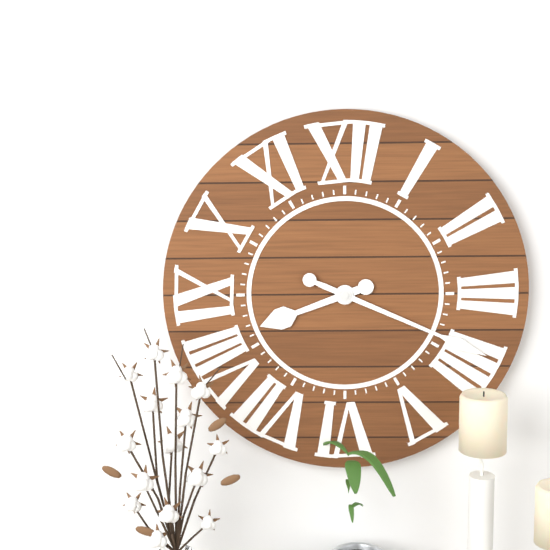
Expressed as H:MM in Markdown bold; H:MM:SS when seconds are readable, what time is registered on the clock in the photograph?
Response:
**8:19**
